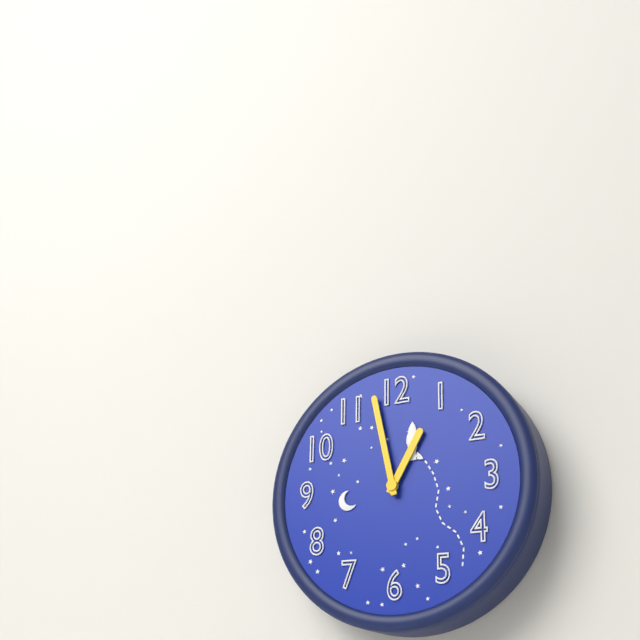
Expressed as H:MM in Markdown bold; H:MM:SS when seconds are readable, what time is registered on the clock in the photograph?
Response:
**12:58**
